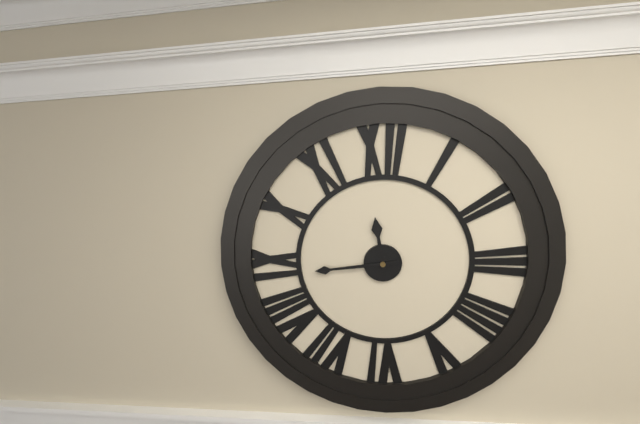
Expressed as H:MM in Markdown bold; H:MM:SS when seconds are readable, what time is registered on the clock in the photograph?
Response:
**11:44**
